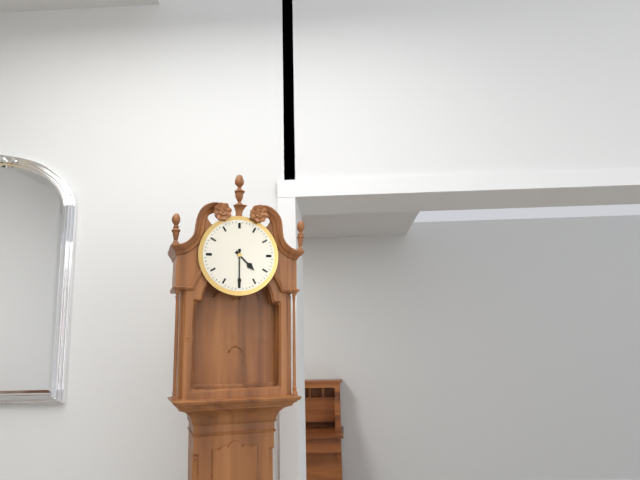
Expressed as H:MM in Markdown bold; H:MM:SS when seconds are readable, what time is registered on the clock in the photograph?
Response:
**4:30**
